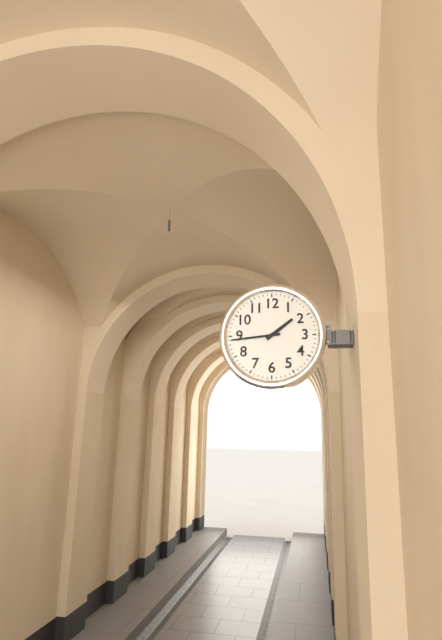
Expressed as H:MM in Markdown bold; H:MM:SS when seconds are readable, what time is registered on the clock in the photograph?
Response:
**1:44**
